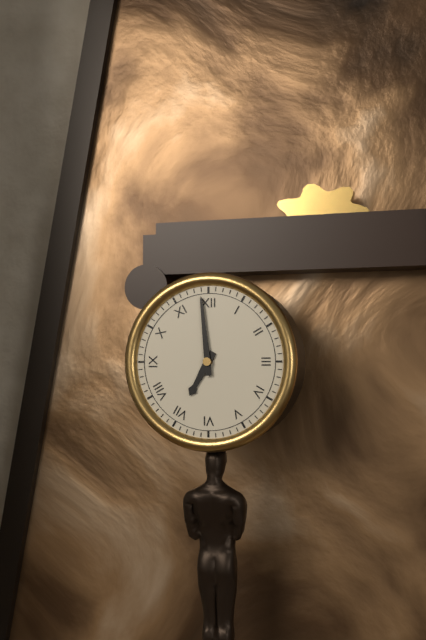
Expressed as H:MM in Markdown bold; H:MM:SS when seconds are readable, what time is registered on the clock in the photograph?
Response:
**6:59**
